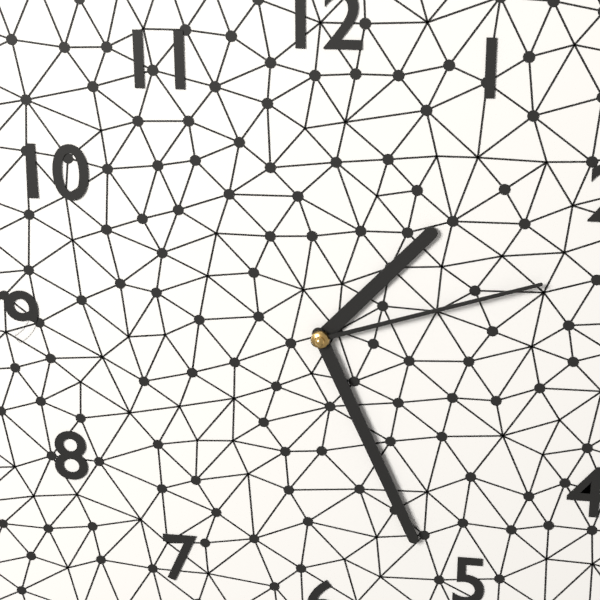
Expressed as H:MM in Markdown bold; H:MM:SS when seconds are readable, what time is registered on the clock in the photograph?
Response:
**1:26:12**
